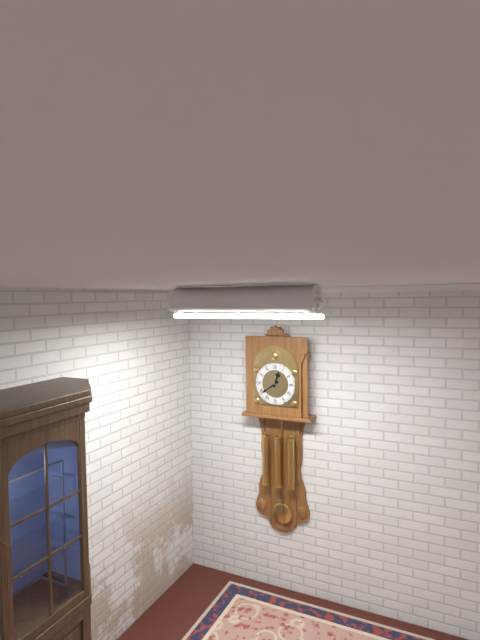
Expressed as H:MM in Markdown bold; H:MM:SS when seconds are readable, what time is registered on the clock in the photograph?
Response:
**12:39**
